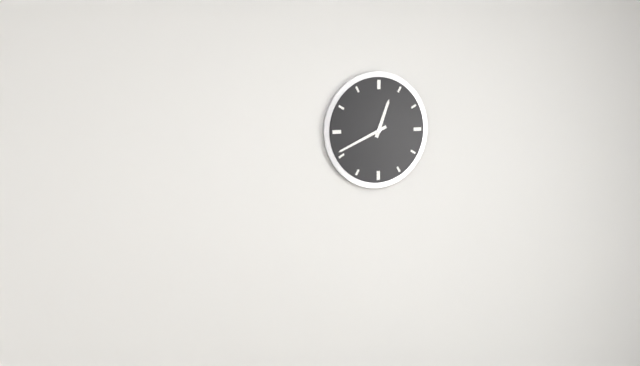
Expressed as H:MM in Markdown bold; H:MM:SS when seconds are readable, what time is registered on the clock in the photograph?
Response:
**12:41**
